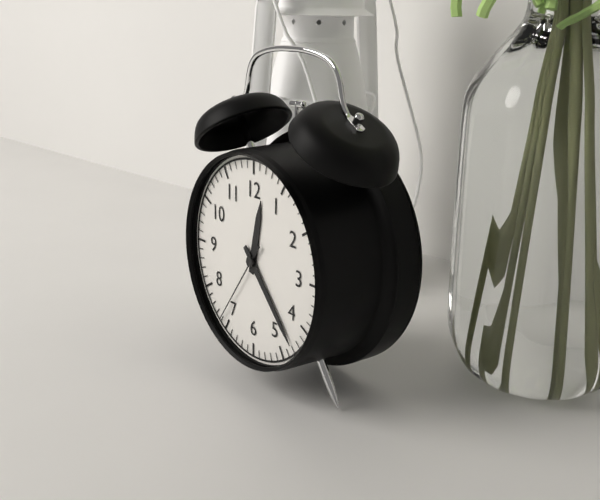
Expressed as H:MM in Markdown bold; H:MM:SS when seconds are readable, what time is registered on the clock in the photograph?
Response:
**12:23:36**
